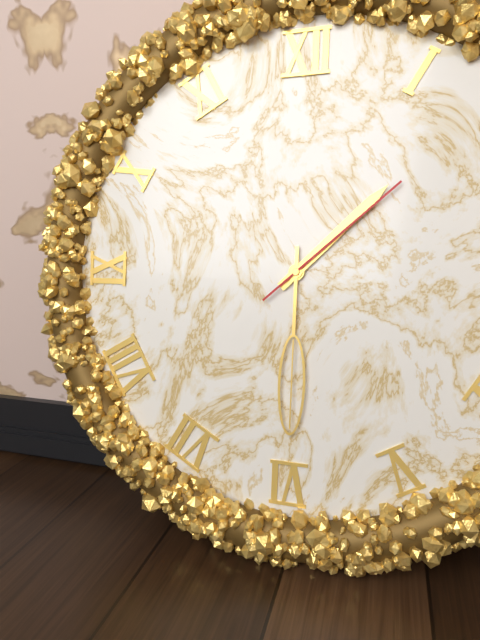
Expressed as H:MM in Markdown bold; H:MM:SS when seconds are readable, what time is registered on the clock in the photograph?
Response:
**1:30:08**
